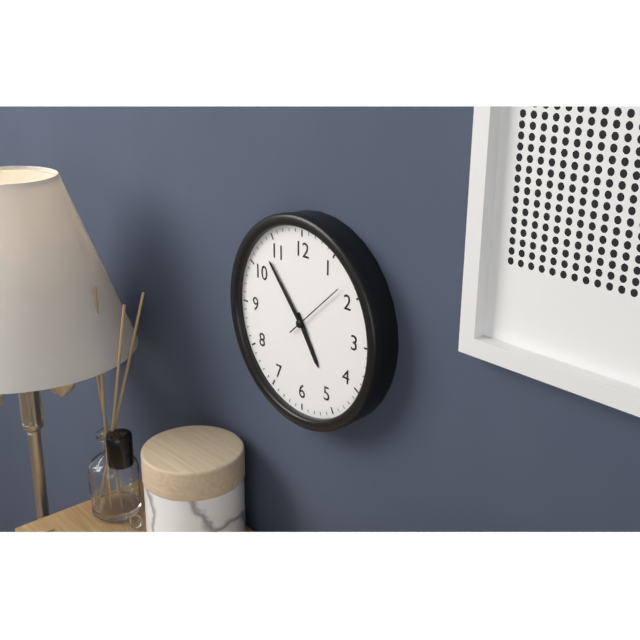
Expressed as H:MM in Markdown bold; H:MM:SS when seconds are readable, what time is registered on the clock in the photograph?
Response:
**4:53:08**
